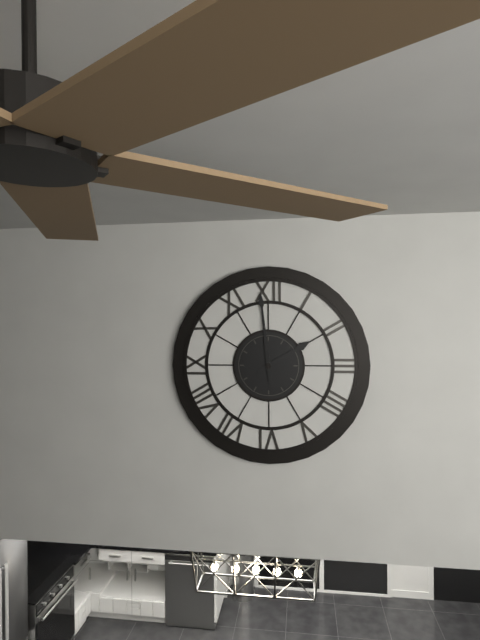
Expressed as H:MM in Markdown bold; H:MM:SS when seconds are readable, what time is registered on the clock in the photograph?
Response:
**1:59**
